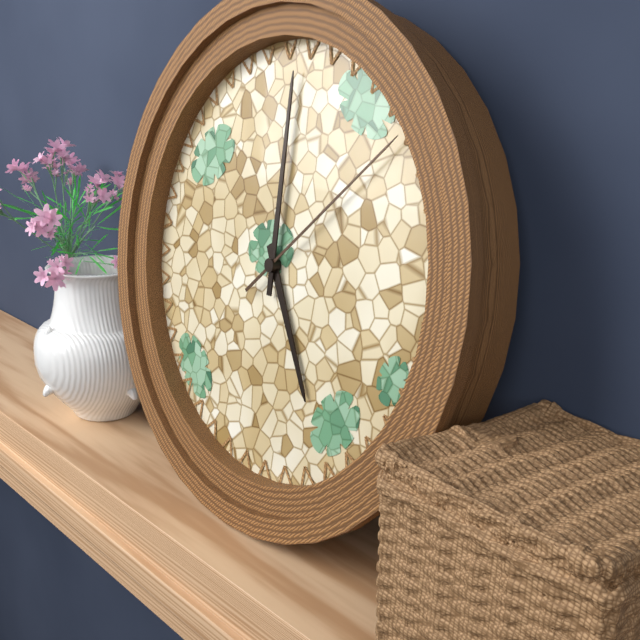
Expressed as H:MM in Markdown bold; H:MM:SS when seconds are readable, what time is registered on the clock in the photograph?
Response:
**5:00:08**
